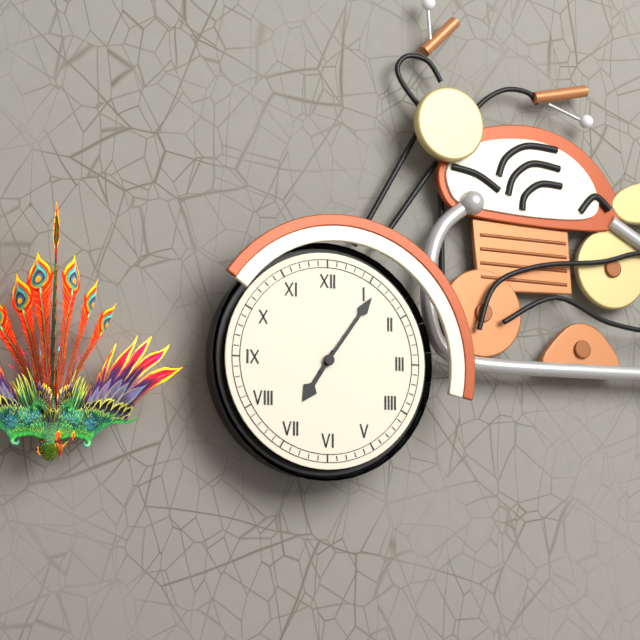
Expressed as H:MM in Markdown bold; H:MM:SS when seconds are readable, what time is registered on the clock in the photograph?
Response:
**7:06**
